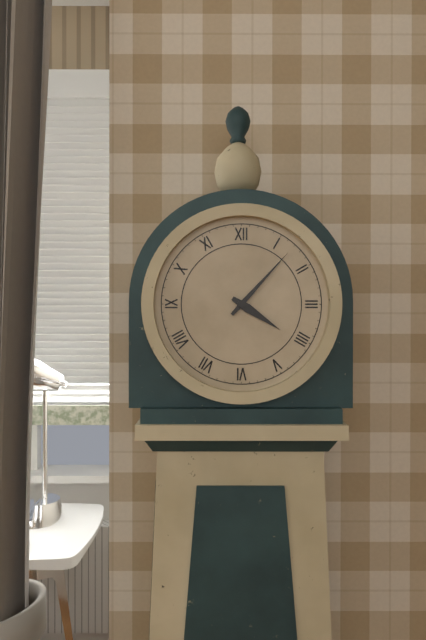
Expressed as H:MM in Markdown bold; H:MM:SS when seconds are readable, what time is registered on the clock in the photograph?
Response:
**4:07**
